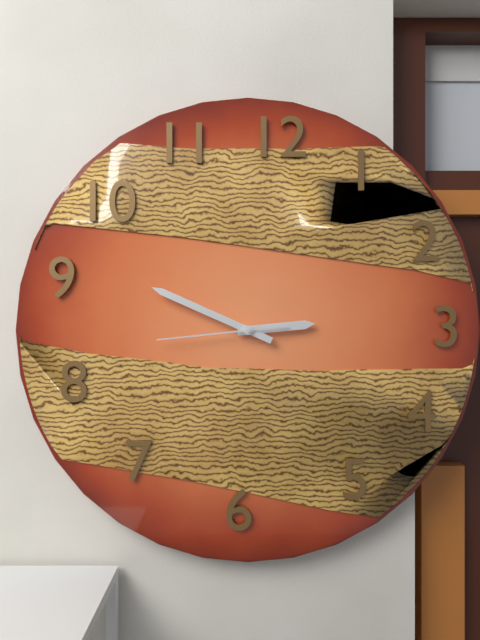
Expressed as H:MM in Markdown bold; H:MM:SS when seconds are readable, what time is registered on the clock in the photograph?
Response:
**2:49:44**
